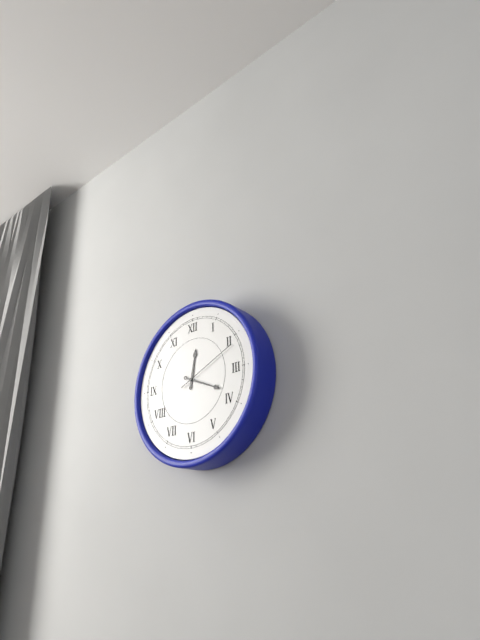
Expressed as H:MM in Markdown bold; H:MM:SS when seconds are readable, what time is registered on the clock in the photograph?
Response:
**12:19:11**
